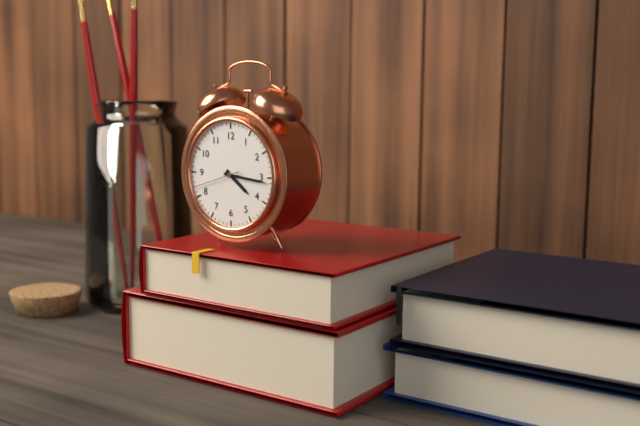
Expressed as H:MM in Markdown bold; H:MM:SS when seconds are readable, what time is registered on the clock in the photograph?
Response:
**4:16**
